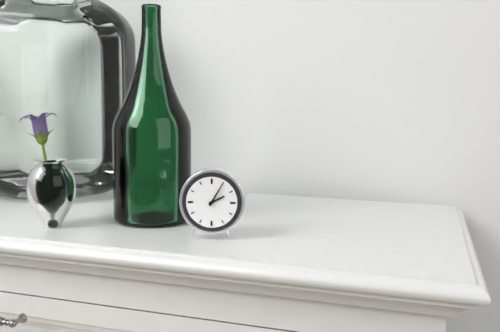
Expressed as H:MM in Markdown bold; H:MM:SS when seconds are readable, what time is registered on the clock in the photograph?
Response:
**2:05**
